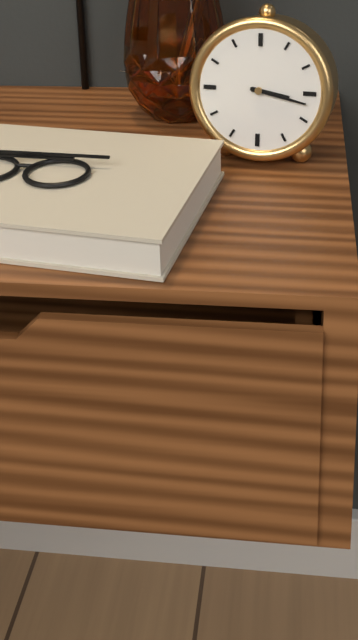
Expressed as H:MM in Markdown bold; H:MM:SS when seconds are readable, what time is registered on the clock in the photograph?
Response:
**3:17**
